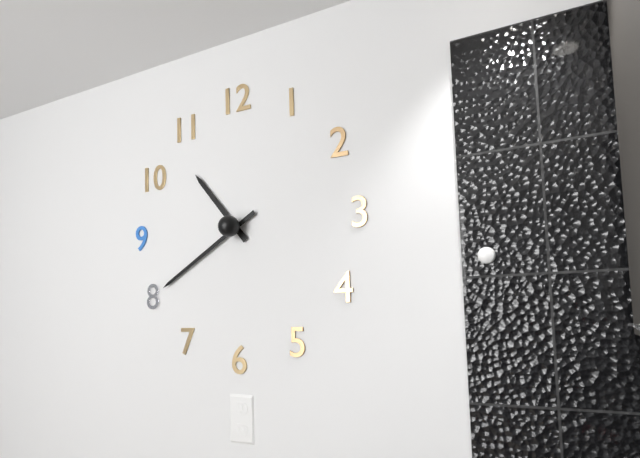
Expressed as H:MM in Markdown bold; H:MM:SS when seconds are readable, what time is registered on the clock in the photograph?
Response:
**10:40**
